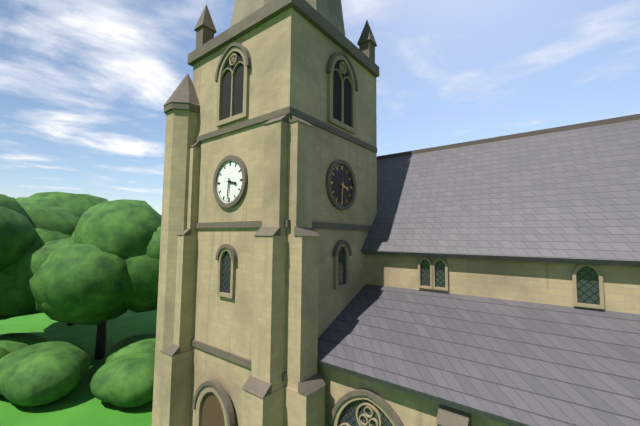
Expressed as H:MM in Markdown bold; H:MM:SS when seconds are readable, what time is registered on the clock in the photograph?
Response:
**3:31**
